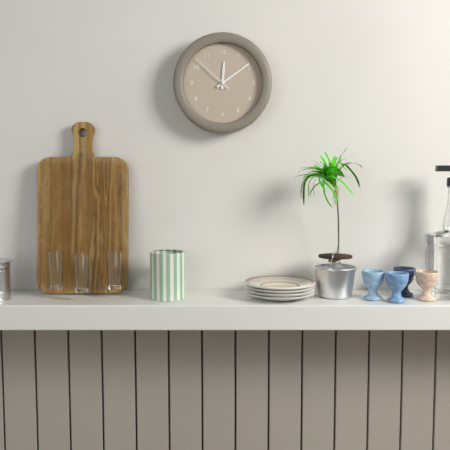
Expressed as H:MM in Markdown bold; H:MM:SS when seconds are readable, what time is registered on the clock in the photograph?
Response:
**12:09**
